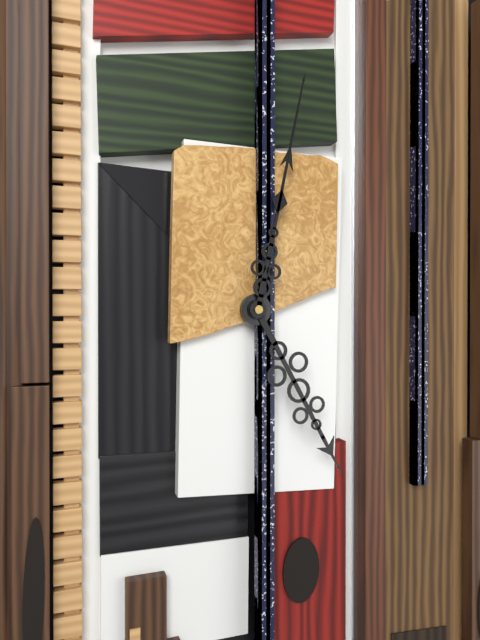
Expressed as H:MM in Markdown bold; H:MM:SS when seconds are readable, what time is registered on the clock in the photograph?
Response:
**5:02**
